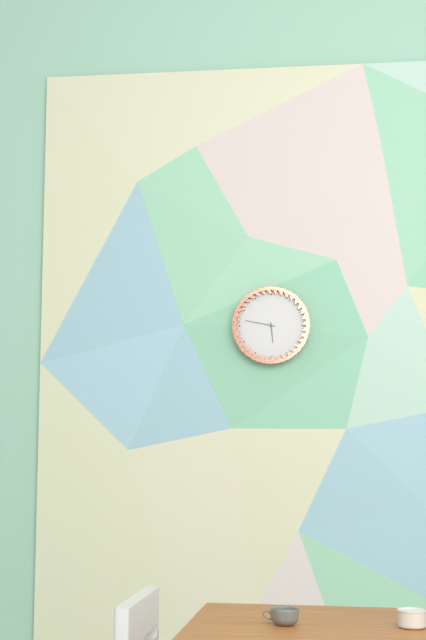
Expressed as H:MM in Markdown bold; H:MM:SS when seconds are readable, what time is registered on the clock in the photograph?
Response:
**5:47**
